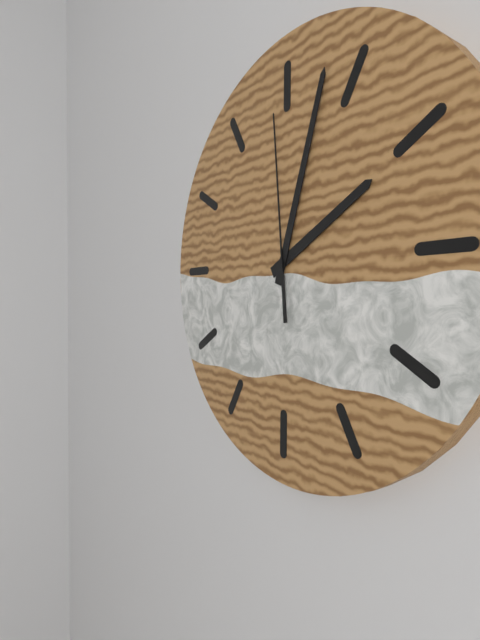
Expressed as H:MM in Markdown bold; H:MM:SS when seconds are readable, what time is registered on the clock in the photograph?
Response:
**2:03:59**
